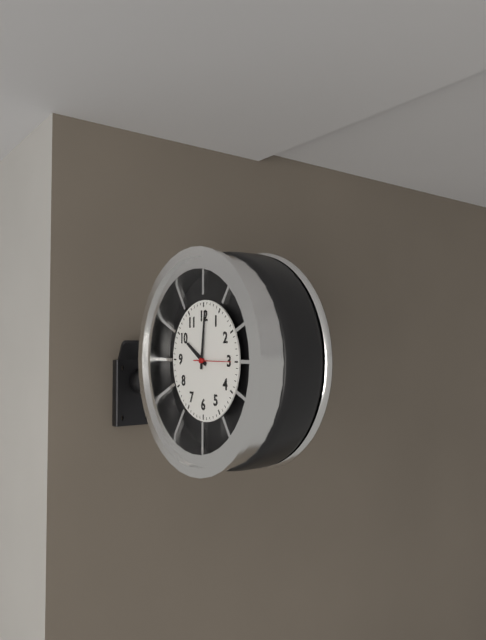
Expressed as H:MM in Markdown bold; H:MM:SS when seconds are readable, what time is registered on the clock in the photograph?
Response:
**10:01**
